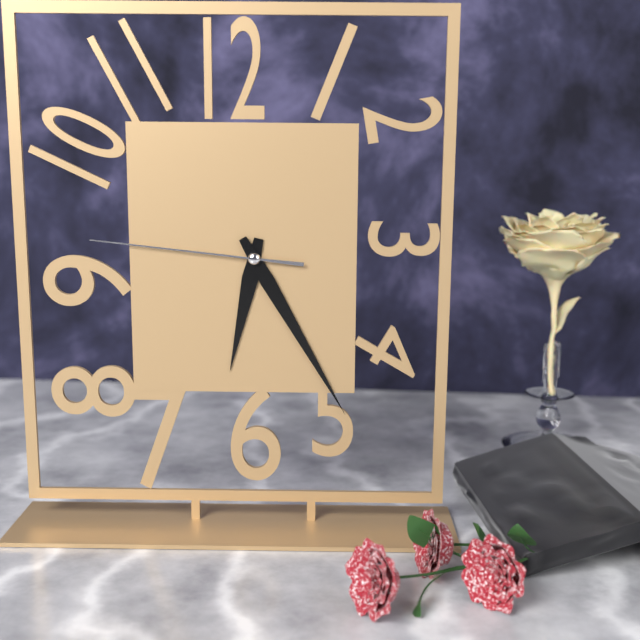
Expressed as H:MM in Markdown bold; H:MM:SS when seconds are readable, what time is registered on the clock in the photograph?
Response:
**6:25:46**
